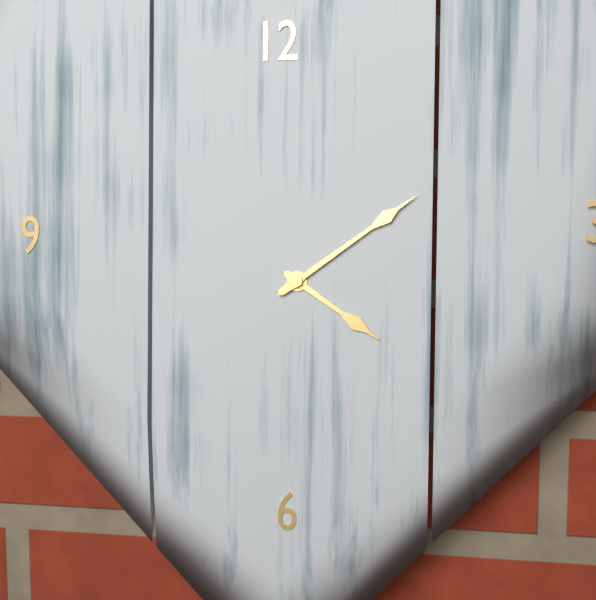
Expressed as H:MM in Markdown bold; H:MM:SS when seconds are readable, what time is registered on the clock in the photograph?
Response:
**4:09**
